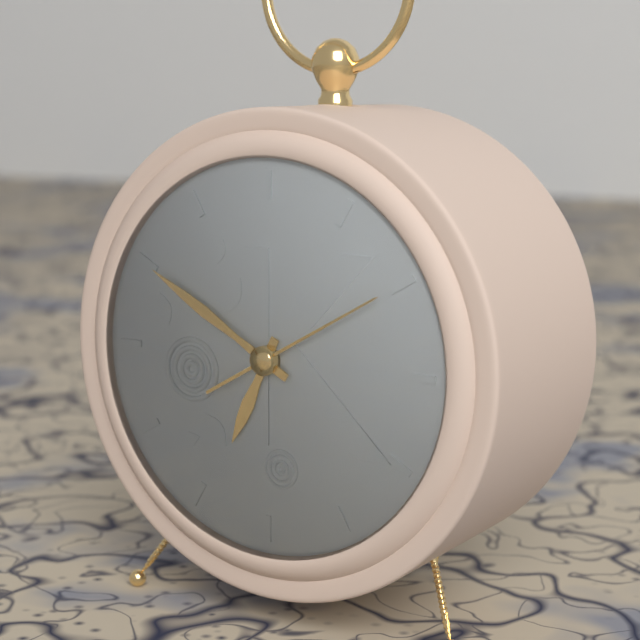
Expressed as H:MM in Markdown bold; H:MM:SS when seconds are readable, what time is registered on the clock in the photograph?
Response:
**6:50:10**
